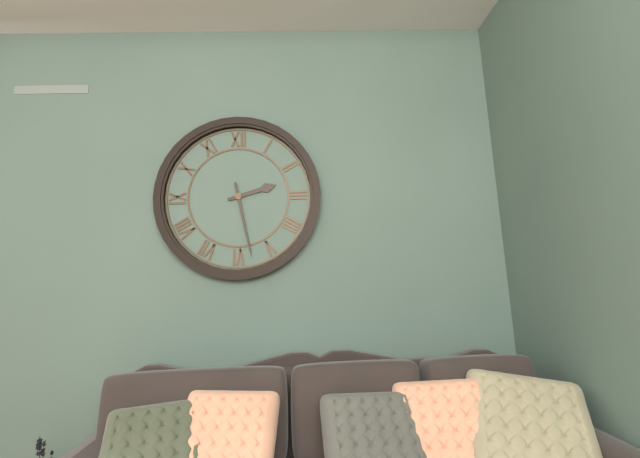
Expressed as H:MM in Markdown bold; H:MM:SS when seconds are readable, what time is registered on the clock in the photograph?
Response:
**2:28**
